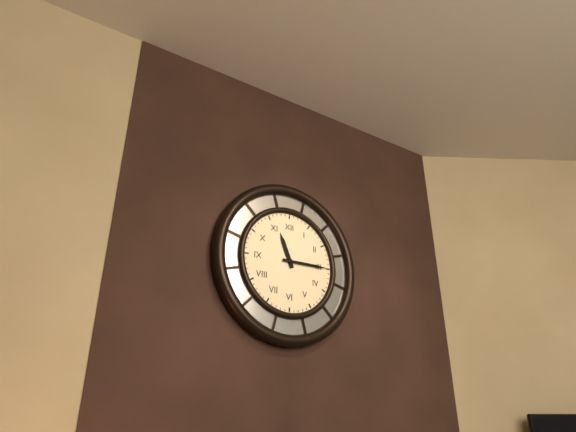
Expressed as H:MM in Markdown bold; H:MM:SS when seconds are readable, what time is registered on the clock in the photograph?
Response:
**11:15**
